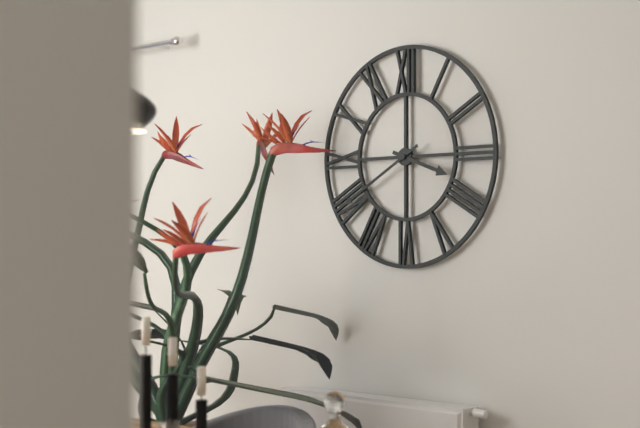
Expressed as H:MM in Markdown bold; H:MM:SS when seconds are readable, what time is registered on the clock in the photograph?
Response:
**3:40**
